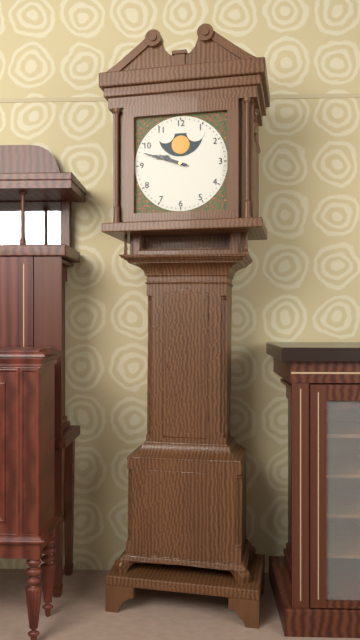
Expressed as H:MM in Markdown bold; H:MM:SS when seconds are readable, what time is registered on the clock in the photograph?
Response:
**9:48**
